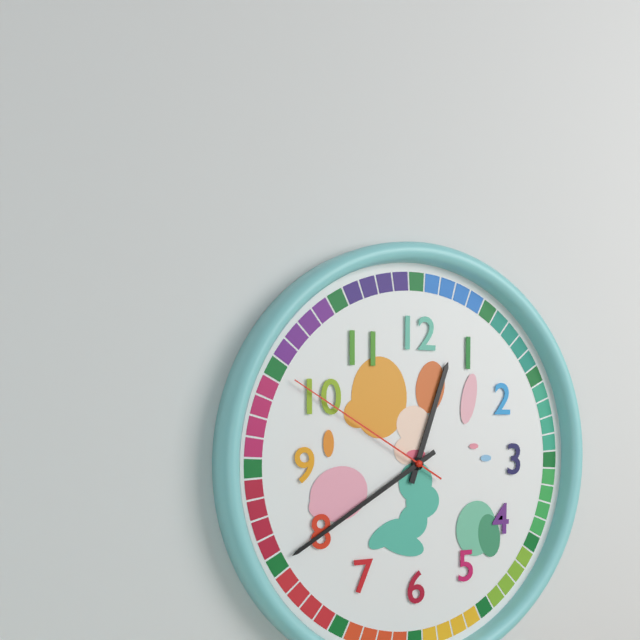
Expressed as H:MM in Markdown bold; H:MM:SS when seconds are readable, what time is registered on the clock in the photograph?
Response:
**12:40:50**
